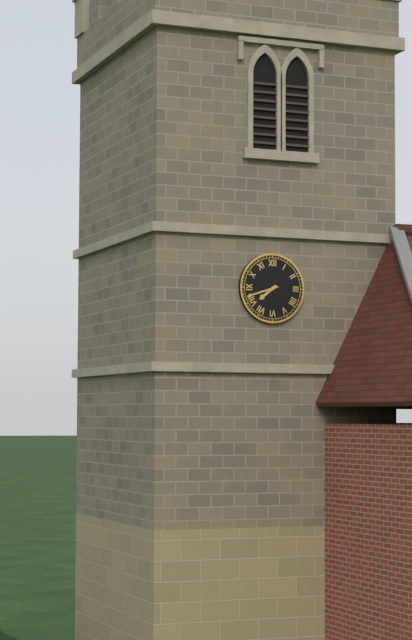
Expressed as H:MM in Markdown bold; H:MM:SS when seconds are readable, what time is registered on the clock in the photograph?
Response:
**7:42**
